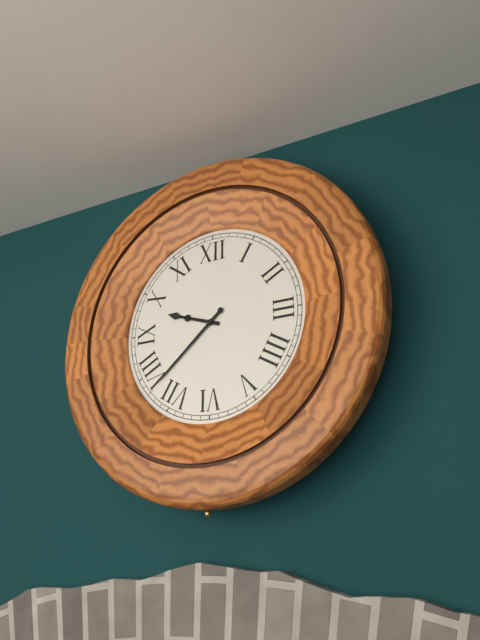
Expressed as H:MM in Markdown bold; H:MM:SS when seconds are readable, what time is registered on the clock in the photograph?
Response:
**9:38**
